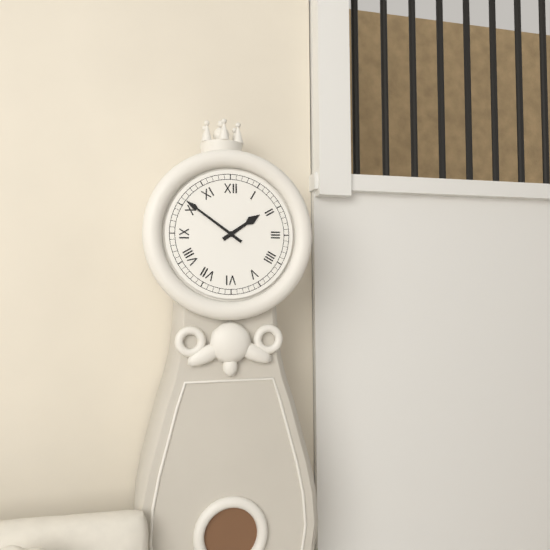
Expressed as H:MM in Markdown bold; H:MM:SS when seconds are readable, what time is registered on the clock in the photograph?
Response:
**1:51**
